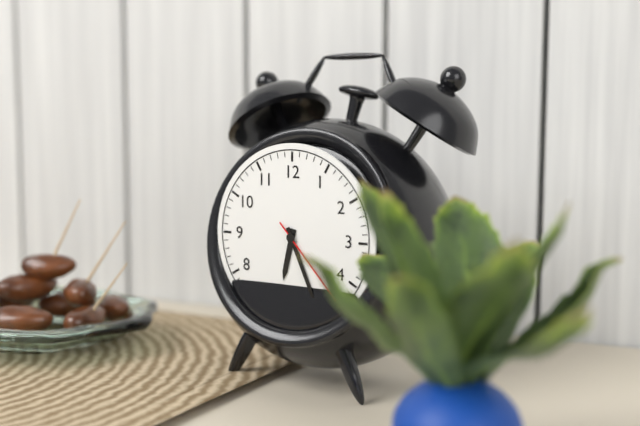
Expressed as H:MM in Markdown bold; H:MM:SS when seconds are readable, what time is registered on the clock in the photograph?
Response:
**6:26:23**
